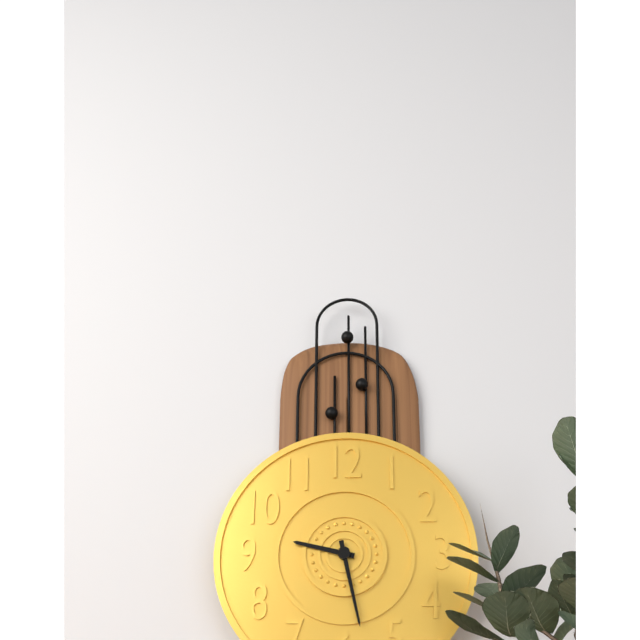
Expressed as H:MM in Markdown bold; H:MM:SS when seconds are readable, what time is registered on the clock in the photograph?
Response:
**9:28**
